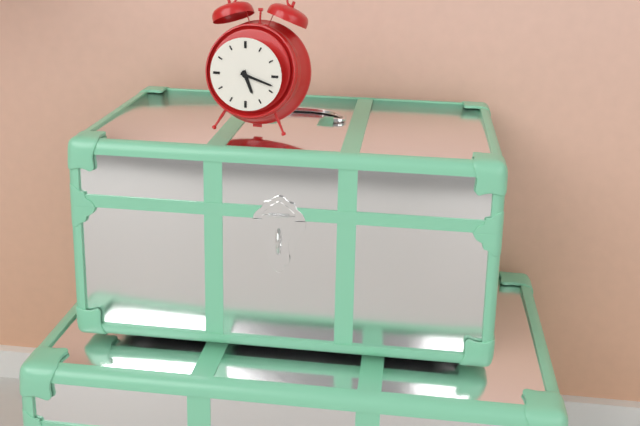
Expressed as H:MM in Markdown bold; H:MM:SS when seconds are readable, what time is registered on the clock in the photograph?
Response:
**5:18**
